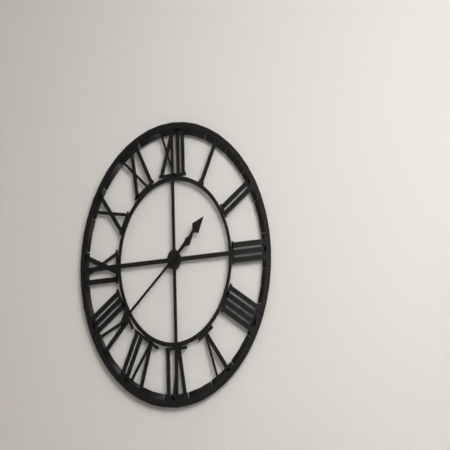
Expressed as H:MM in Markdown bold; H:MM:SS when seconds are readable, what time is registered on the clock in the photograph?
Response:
**1:39**
